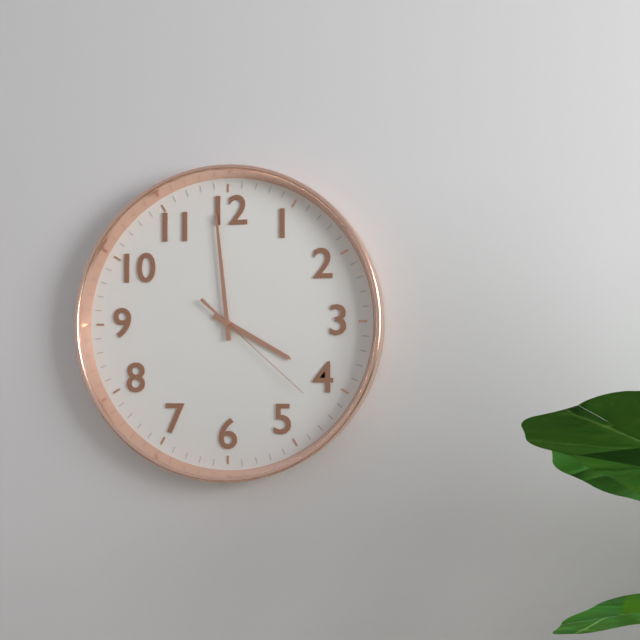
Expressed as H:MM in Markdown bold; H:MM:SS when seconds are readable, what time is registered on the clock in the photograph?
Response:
**3:59:22**
